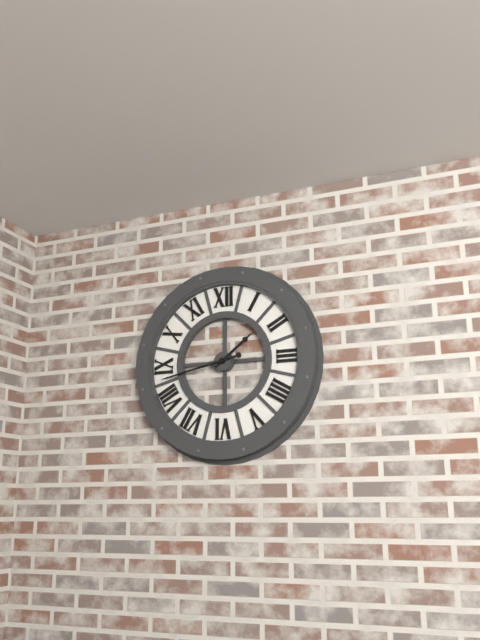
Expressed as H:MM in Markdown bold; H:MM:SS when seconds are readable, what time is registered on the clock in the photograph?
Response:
**1:43**
